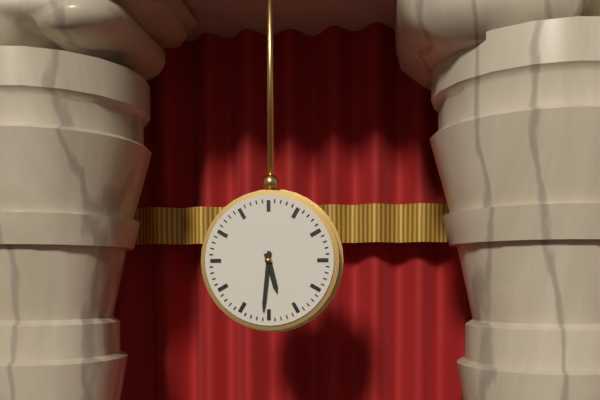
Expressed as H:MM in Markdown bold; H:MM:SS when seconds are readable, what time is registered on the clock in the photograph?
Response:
**5:31**
